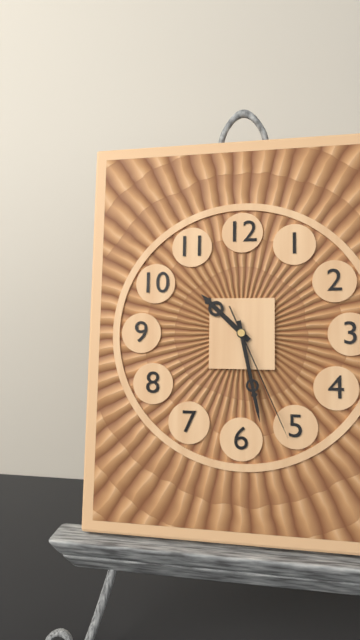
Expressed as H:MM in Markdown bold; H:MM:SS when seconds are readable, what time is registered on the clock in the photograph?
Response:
**10:28:26**
